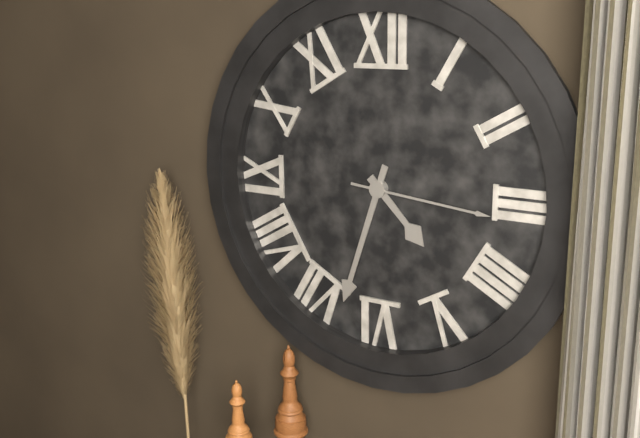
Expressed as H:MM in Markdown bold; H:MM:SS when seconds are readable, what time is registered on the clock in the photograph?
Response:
**4:33:16**
